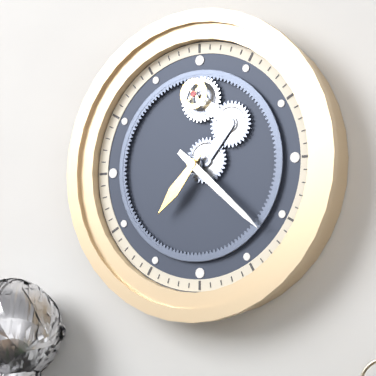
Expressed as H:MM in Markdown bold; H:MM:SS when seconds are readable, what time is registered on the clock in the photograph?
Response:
**7:22**
